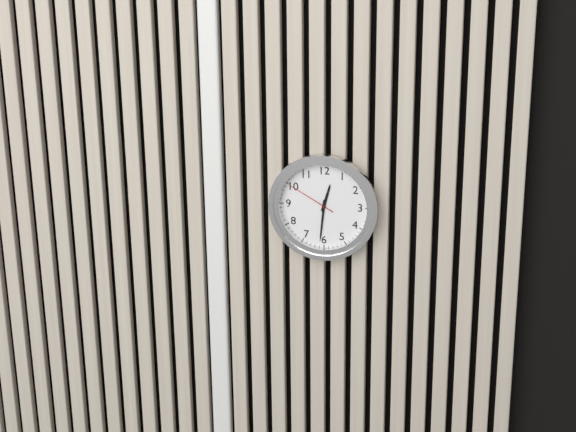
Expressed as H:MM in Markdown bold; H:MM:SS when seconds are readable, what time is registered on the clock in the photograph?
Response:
**12:31:50**
